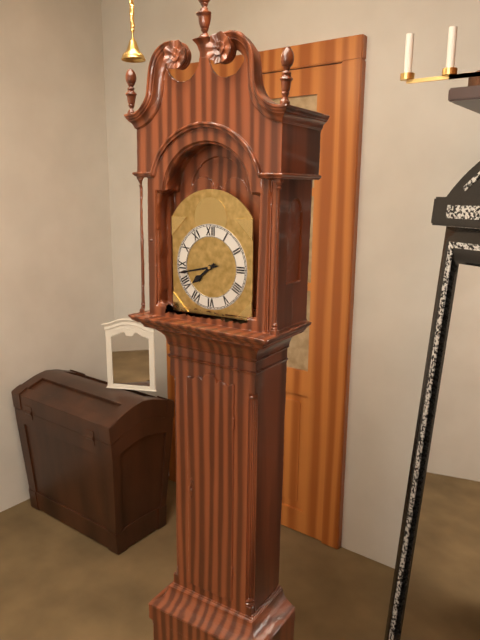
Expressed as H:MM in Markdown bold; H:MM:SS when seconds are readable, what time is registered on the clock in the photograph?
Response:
**7:43**
